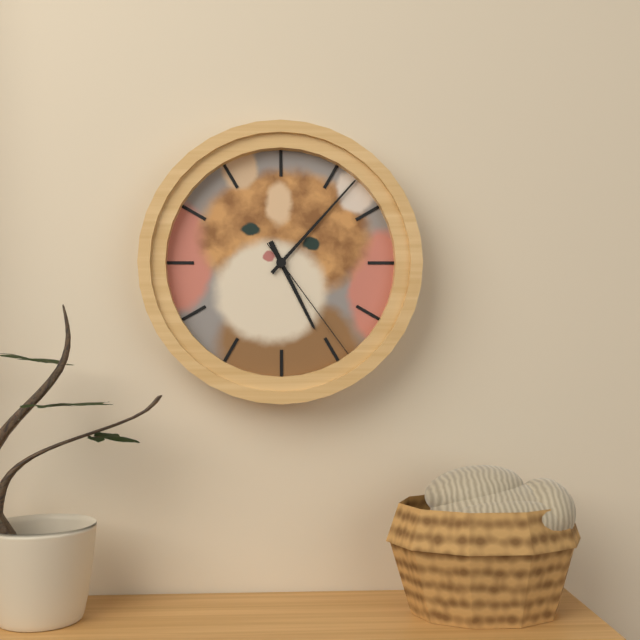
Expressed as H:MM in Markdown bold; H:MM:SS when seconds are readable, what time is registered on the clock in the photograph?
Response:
**5:07:24**
